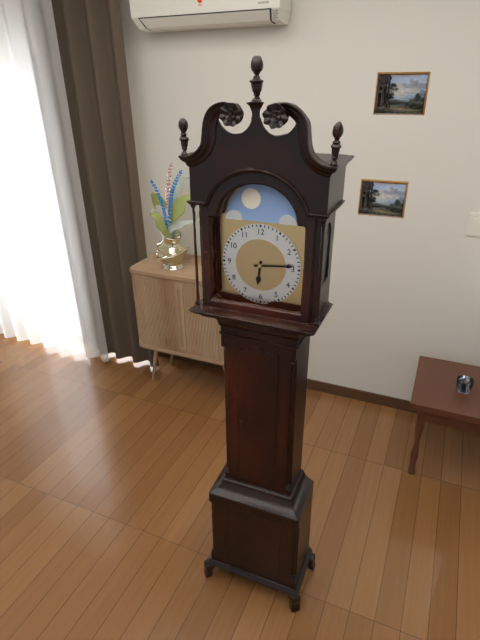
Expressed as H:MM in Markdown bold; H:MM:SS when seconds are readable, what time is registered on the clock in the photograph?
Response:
**6:14**
